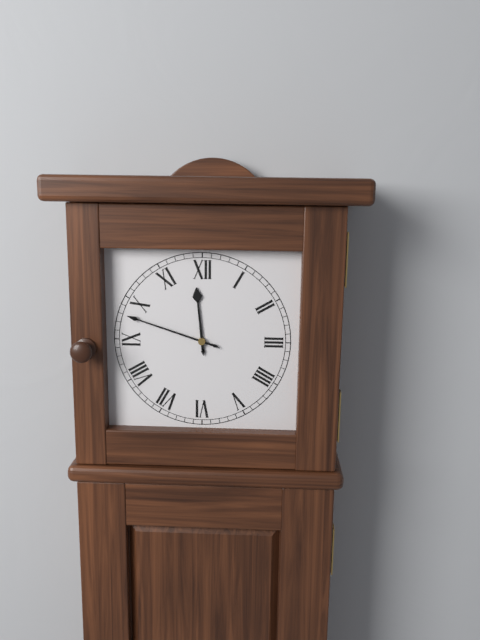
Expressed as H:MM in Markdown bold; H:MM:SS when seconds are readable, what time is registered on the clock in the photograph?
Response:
**11:48**
